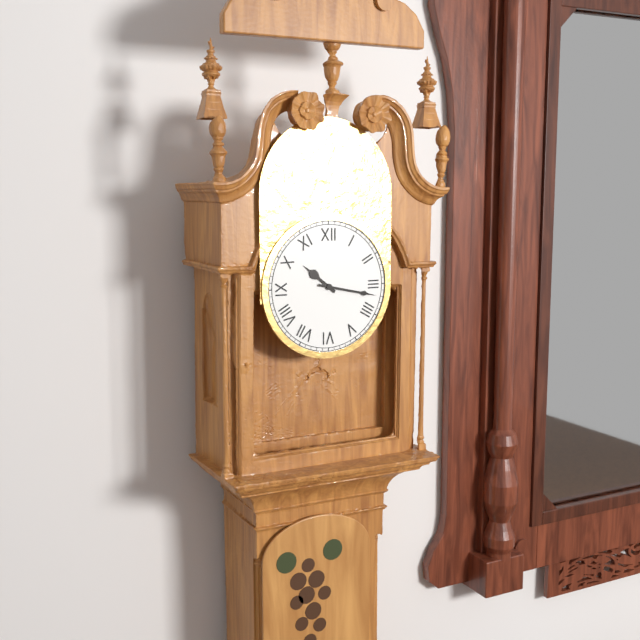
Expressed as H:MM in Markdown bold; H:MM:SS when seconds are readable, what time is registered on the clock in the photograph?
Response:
**10:17**
